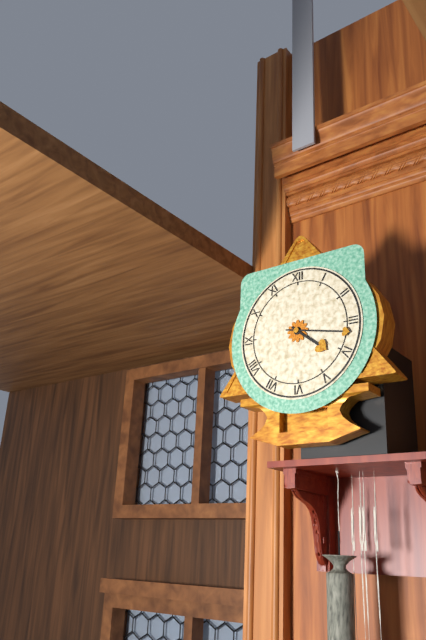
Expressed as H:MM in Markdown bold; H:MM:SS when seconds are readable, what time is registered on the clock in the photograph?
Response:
**4:17**
